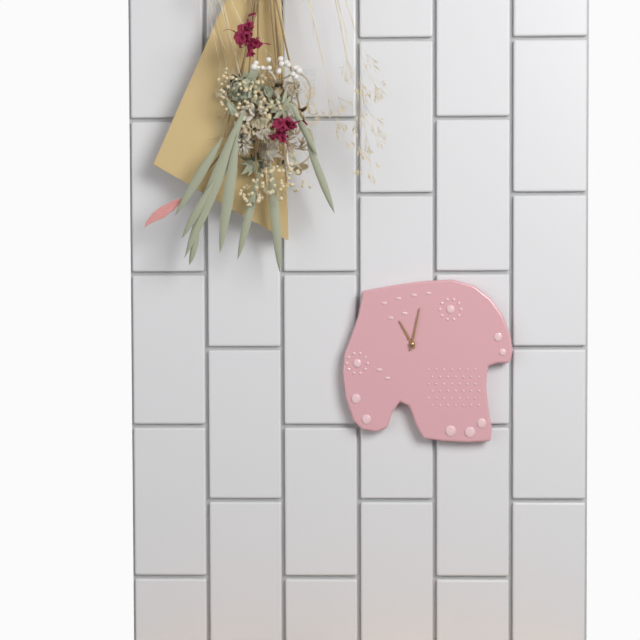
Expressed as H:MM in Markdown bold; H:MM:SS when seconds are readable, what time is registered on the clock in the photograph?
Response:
**11:02**
